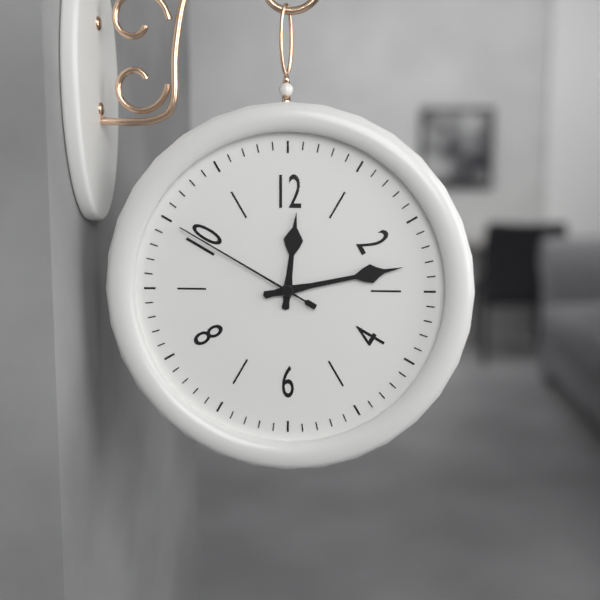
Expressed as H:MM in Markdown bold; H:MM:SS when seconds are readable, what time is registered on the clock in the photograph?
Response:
**12:13:50**
